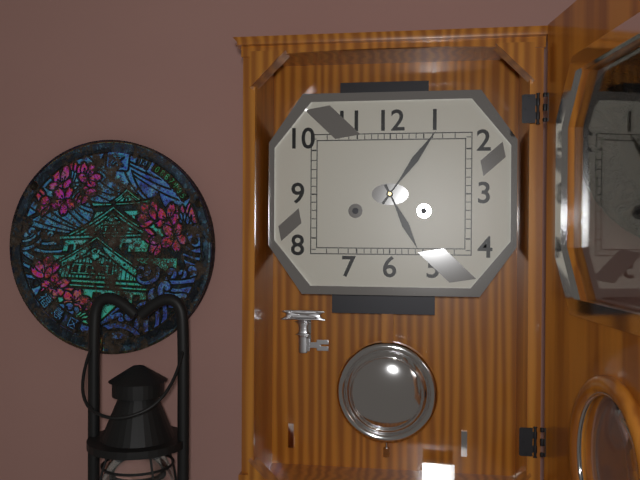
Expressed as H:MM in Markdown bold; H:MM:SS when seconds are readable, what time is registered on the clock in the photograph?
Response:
**5:06**
